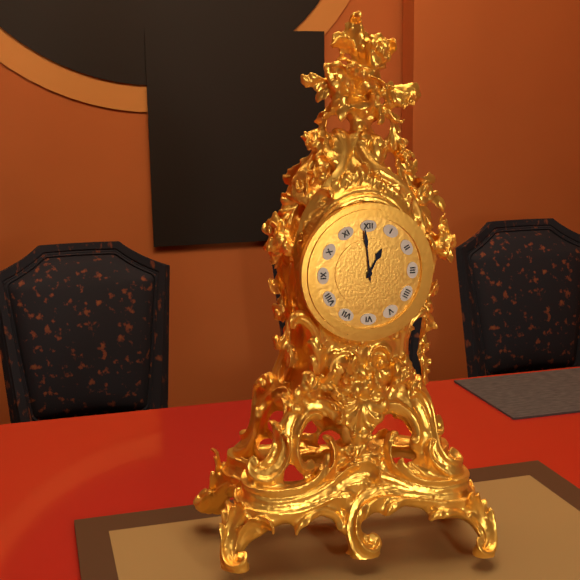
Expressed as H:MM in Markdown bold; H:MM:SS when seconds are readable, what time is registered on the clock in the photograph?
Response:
**12:59**
